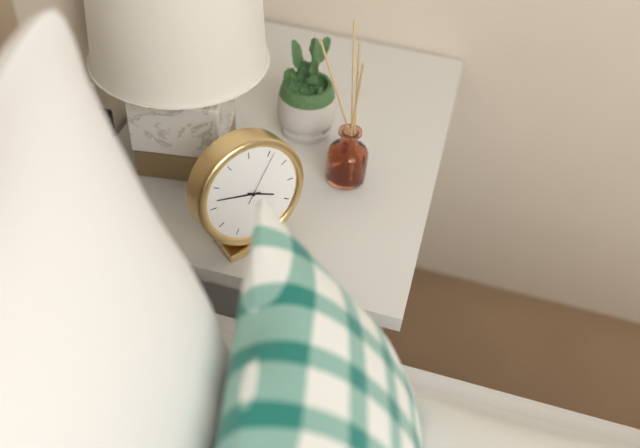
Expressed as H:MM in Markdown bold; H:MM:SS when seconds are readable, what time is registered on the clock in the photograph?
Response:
**3:47:06**
